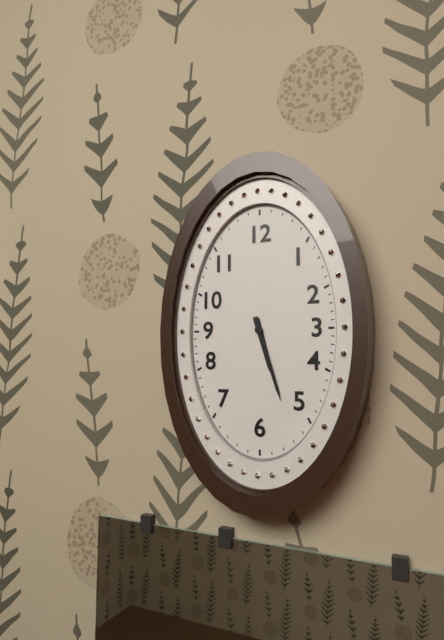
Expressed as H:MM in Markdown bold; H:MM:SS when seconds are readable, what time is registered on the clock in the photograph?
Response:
**5:27**
